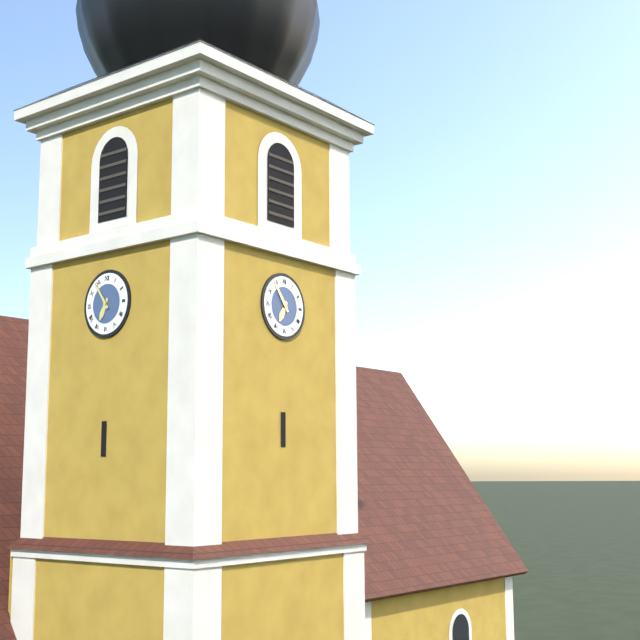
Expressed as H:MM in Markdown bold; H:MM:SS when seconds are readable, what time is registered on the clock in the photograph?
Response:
**6:54**
